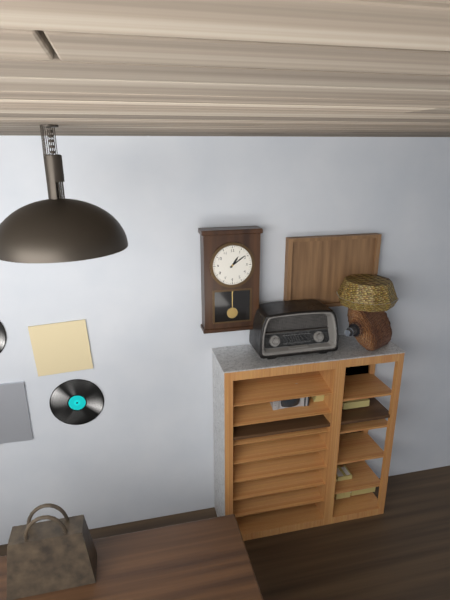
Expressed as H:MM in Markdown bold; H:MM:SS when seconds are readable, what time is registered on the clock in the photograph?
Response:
**1:09**
